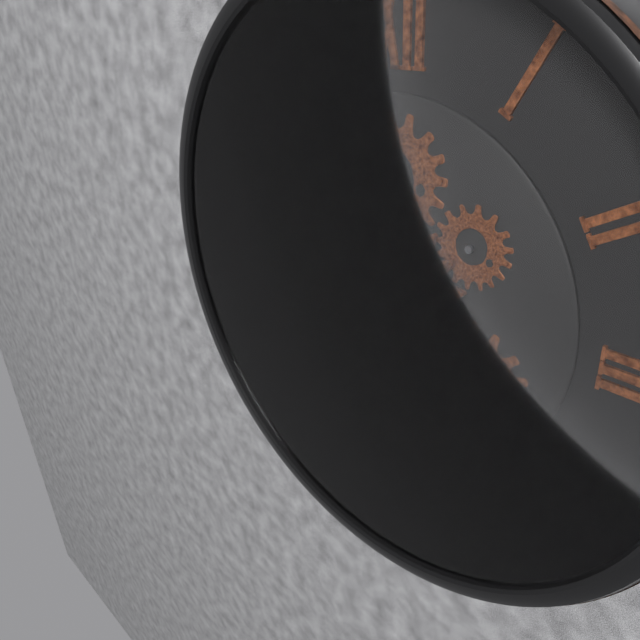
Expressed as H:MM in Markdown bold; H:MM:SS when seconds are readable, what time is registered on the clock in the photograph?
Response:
**4:31**
